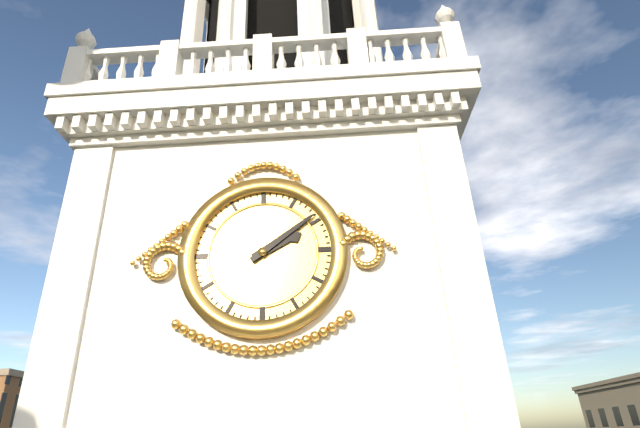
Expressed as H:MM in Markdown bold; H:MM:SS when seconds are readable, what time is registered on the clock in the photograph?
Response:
**2:09**
